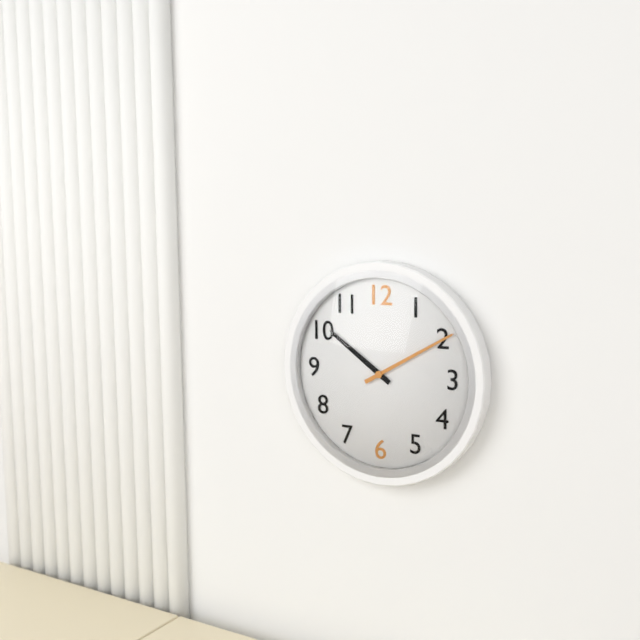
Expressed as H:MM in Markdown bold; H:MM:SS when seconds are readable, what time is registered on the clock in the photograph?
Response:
**10:10**
